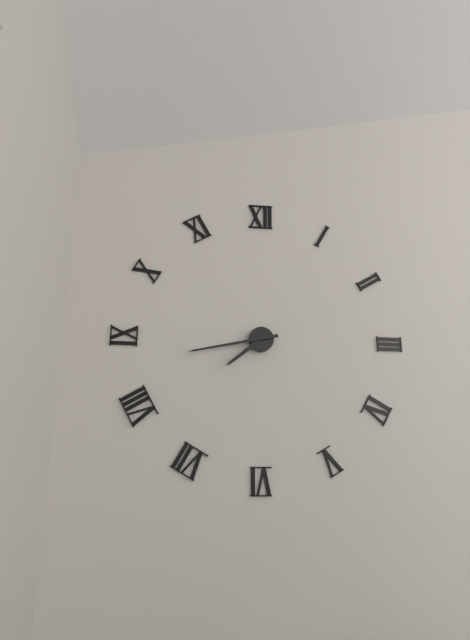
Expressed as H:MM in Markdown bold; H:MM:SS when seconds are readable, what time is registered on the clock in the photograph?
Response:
**7:43**
